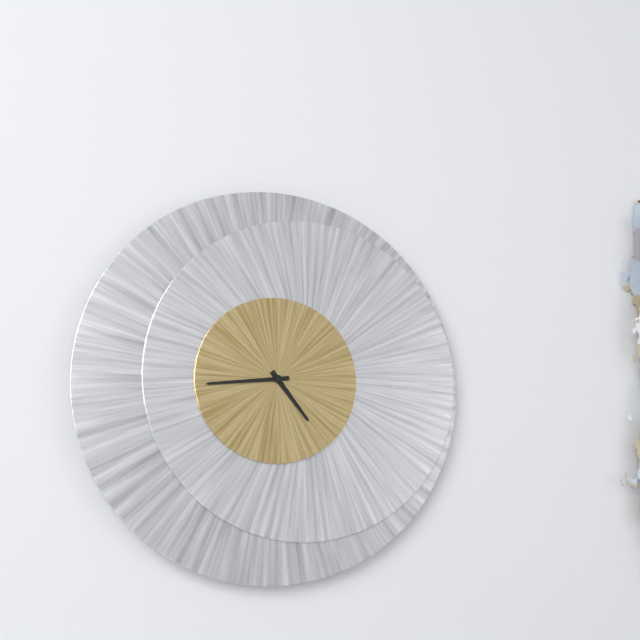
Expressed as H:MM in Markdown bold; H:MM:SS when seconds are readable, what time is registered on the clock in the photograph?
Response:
**4:44**
